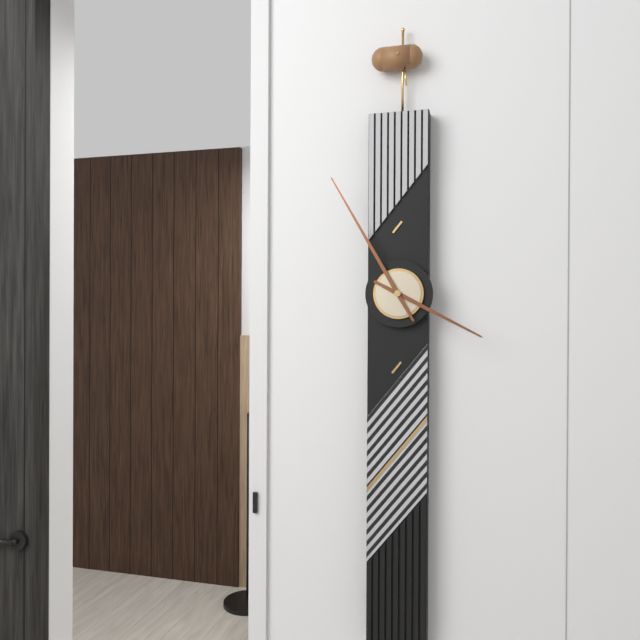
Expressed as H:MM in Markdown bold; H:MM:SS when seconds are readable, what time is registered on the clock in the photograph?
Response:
**3:55**
